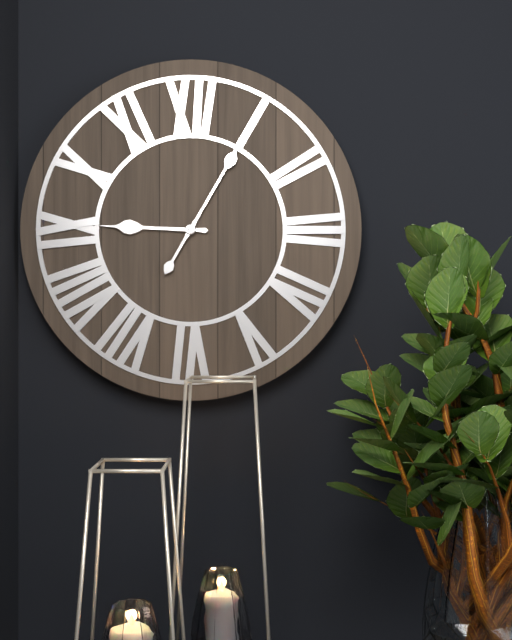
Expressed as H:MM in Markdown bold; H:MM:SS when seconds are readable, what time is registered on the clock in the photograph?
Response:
**9:05**
